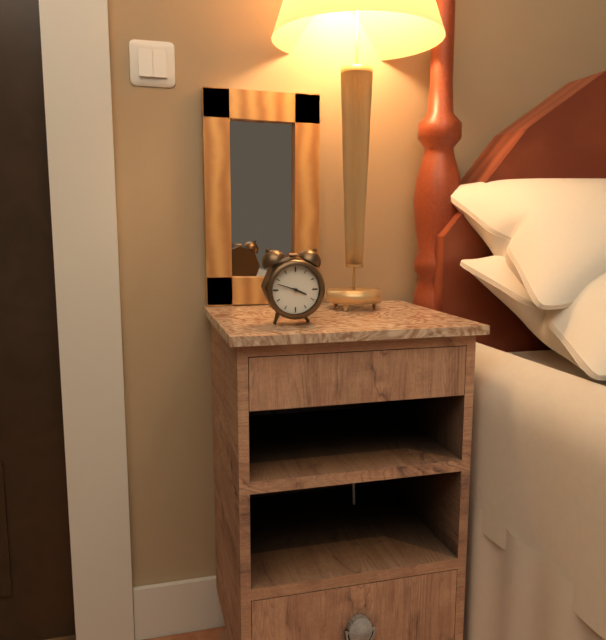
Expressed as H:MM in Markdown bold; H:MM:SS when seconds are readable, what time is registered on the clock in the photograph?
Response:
**3:48**
